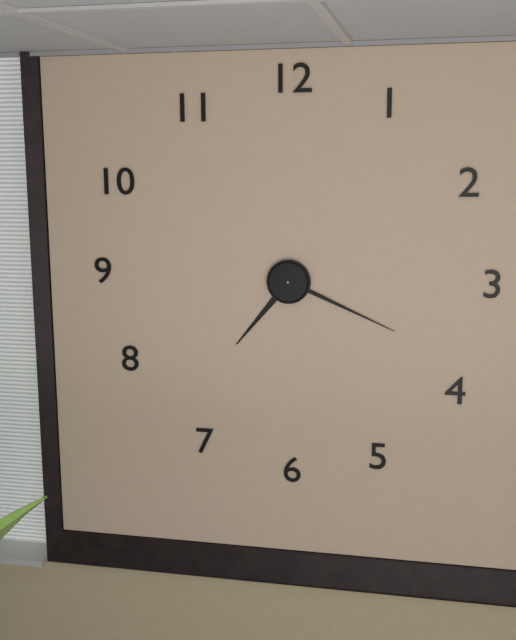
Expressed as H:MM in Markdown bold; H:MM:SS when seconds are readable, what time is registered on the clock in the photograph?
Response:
**7:19**
